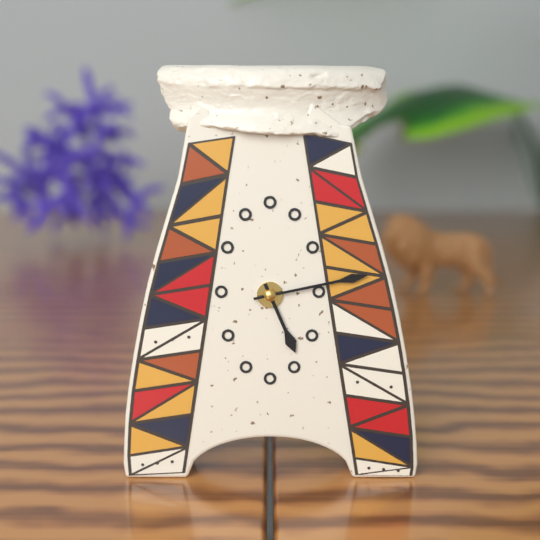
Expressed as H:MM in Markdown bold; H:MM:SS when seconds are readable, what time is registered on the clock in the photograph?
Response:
**5:13**
